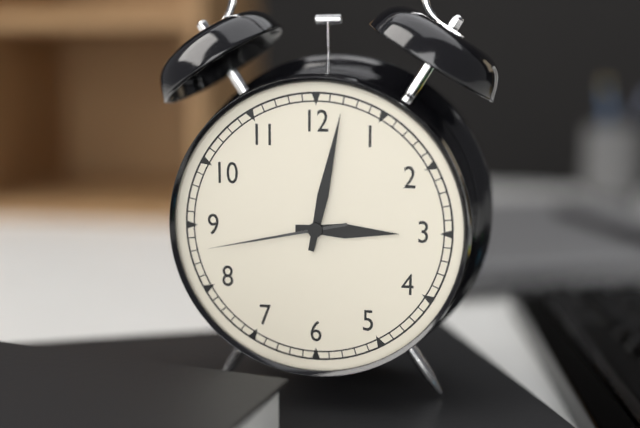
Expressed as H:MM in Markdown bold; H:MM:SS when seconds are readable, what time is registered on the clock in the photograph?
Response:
**3:02:43**
